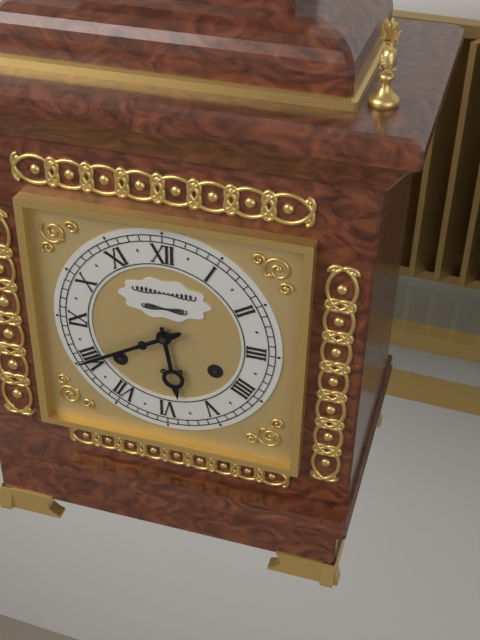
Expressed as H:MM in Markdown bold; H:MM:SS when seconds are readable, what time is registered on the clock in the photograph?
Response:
**5:40**
